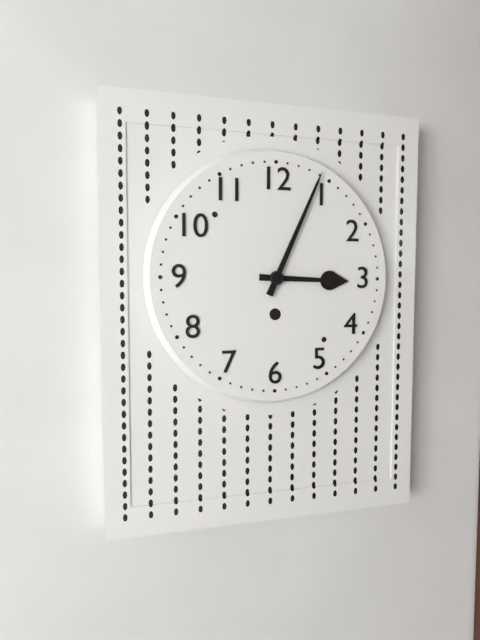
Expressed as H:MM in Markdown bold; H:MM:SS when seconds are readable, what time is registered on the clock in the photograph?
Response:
**3:04**
